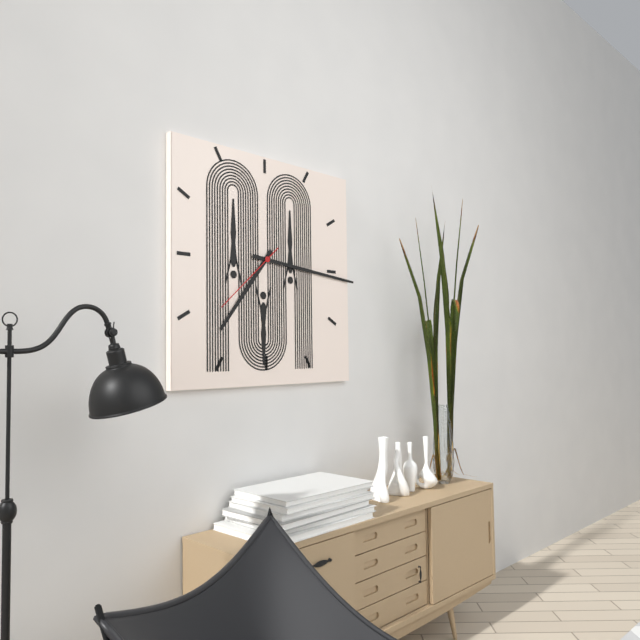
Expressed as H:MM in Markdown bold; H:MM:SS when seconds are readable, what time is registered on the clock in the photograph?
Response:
**7:16:38**
